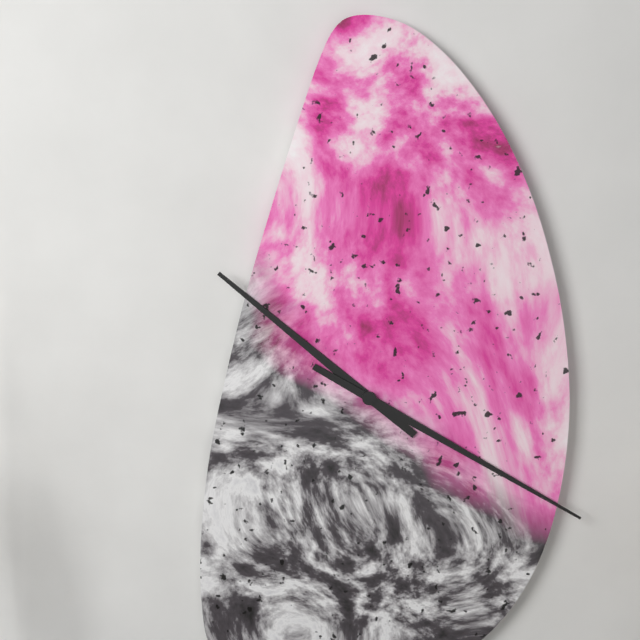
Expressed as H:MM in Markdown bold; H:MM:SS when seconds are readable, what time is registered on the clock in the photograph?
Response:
**10:20**
